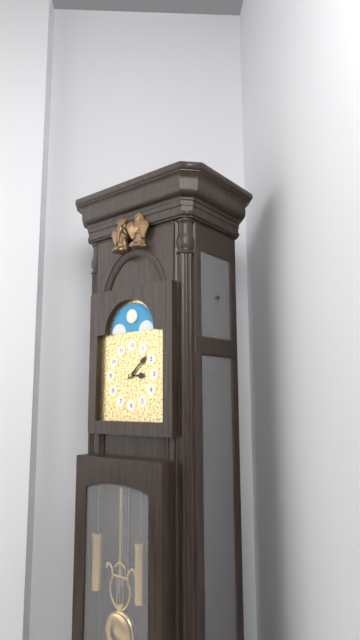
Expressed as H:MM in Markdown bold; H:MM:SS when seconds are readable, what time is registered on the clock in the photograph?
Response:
**3:08**
